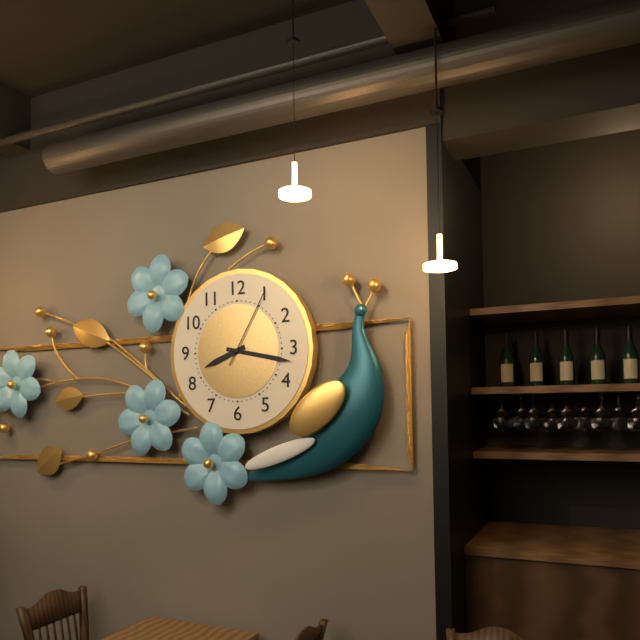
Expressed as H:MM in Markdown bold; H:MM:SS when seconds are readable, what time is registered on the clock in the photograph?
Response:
**8:17:05**
